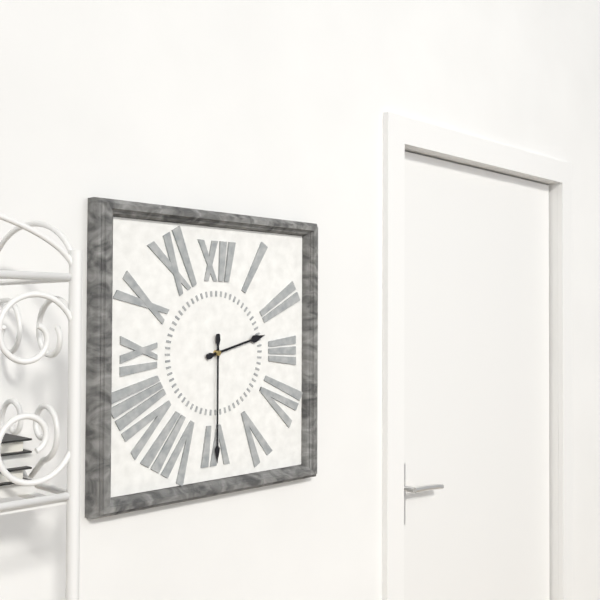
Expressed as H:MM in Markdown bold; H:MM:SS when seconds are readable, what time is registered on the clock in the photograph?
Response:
**2:30**
